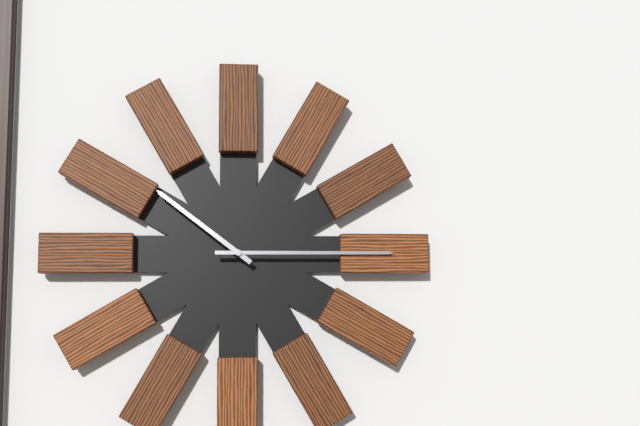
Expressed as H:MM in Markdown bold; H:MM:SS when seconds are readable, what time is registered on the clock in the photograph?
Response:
**10:15**
